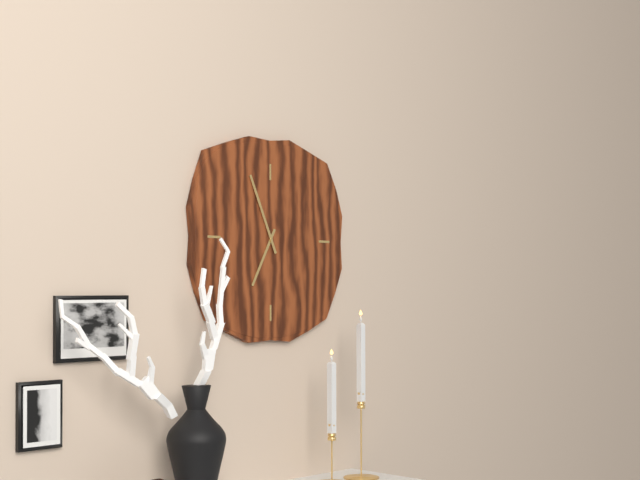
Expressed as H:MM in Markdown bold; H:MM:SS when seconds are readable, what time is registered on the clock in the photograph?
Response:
**6:56**
